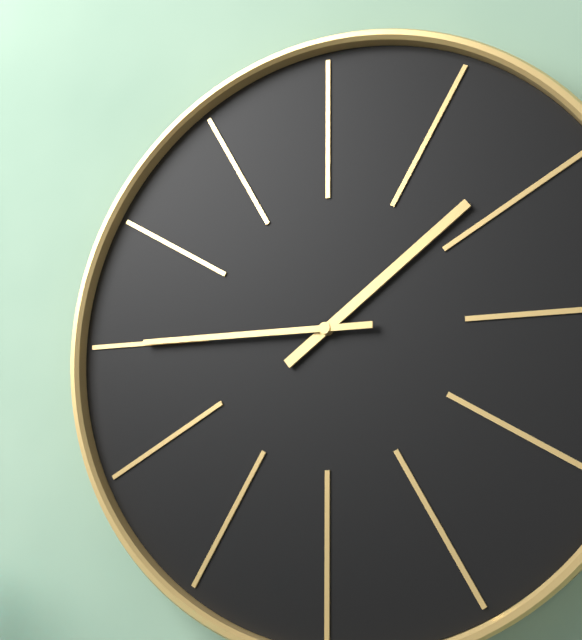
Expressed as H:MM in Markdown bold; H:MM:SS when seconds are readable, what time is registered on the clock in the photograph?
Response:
**1:45**
